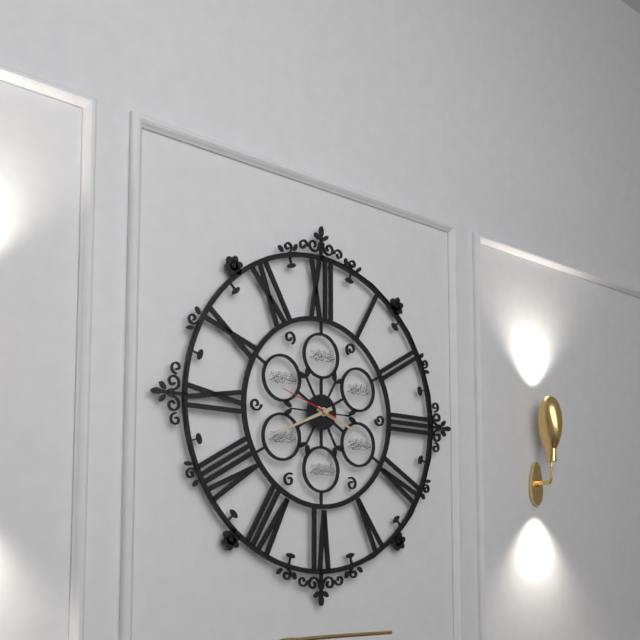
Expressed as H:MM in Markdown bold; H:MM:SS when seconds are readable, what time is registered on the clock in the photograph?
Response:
**3:41:48**
